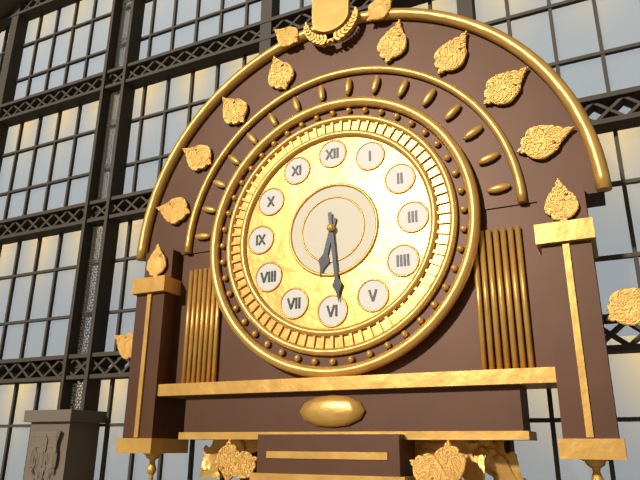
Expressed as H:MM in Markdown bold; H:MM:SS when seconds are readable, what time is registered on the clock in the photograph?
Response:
**6:29**
